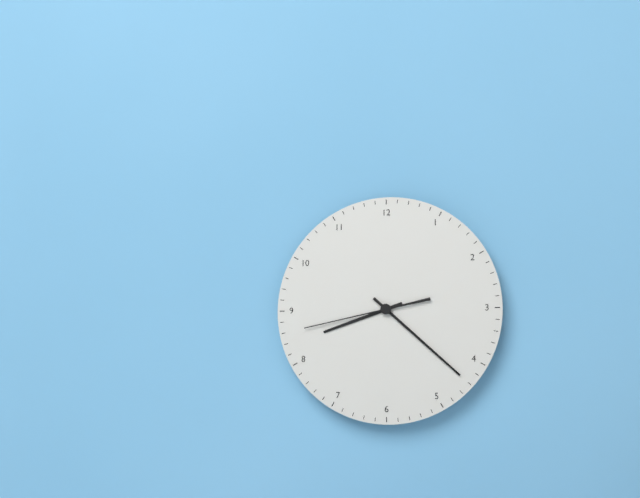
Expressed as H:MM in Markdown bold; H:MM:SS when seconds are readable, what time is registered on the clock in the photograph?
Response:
**8:22:43**
